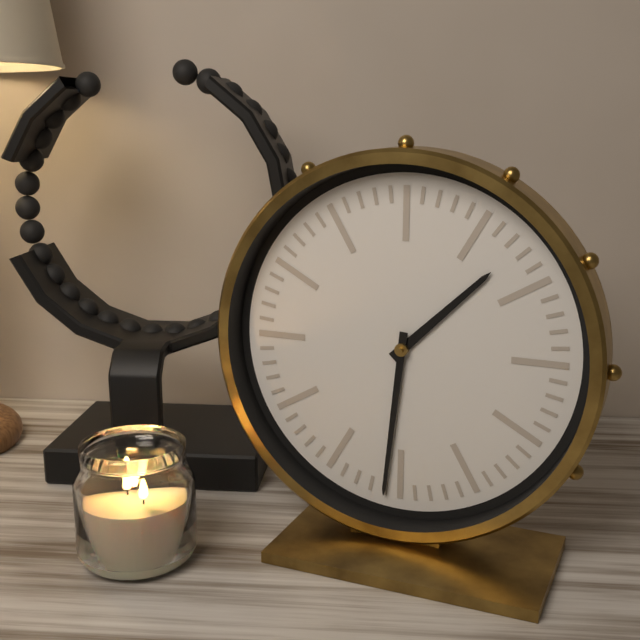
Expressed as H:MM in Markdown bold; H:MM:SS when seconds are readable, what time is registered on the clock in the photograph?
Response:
**1:31**
